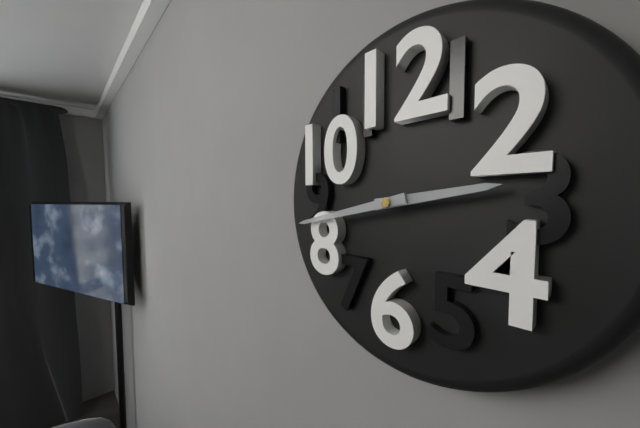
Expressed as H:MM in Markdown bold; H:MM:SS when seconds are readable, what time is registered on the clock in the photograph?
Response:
**2:43**
